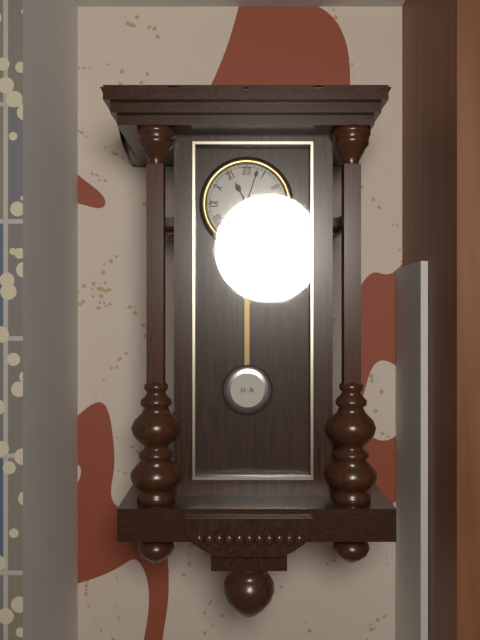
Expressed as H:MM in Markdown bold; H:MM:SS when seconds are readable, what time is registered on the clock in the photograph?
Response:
**11:03**
